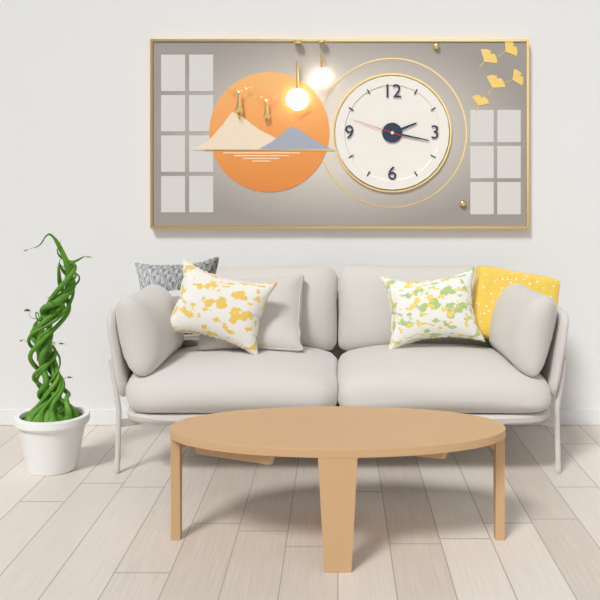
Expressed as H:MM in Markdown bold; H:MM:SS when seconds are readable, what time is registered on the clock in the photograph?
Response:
**2:17:48**
